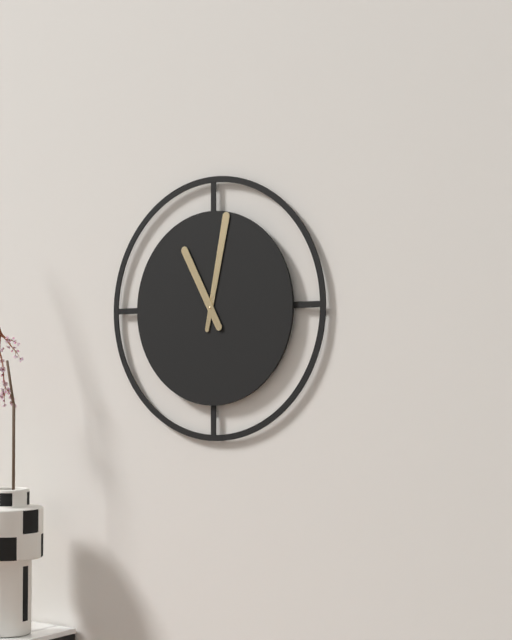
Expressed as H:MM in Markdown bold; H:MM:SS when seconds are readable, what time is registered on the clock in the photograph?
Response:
**11:02**
